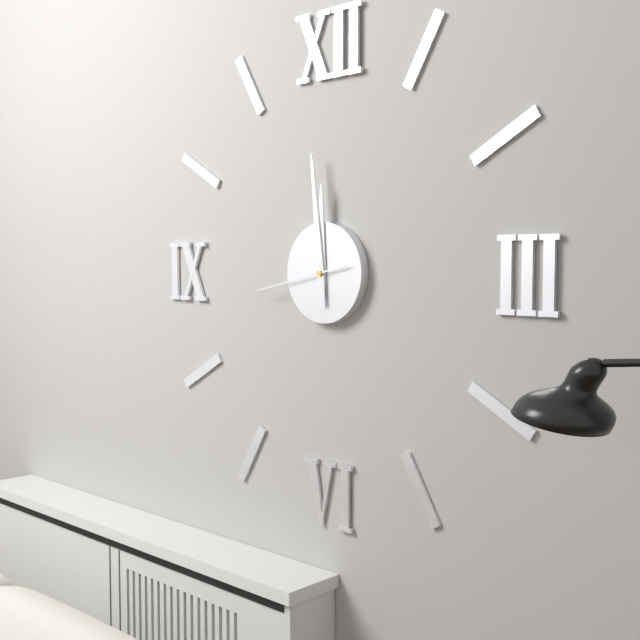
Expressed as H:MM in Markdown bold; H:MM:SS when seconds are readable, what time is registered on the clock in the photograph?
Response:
**11:59:43**
